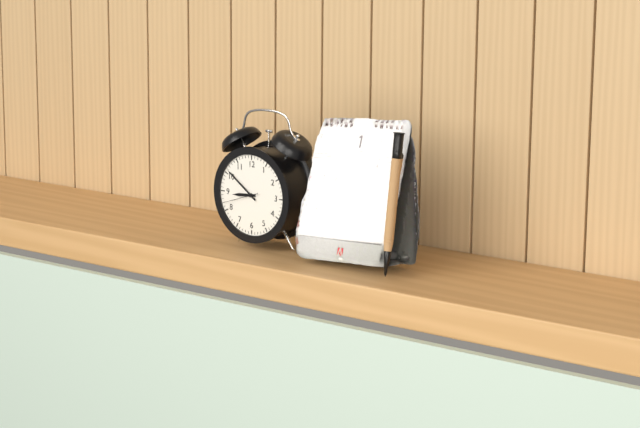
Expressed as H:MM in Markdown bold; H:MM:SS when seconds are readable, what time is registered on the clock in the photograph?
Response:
**8:51**
